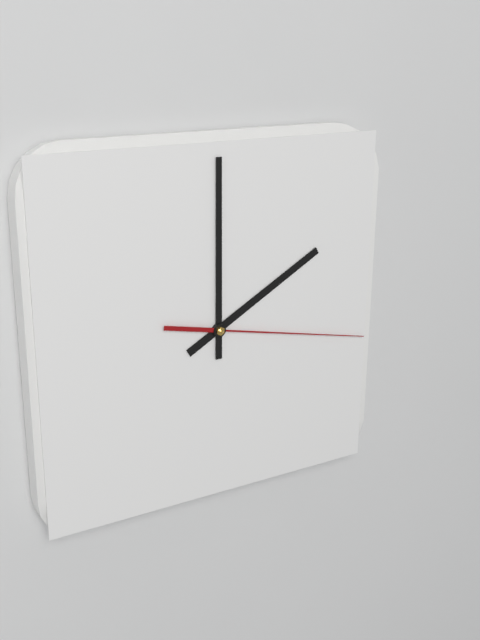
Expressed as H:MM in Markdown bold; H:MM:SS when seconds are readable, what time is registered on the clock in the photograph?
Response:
**2:00:17**
